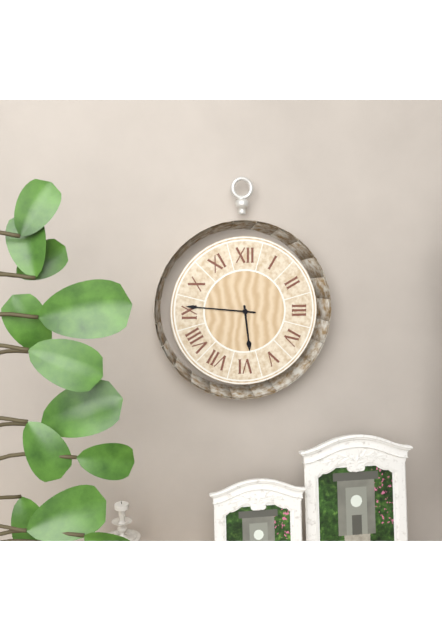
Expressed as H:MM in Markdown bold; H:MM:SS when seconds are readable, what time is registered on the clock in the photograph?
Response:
**5:46**
